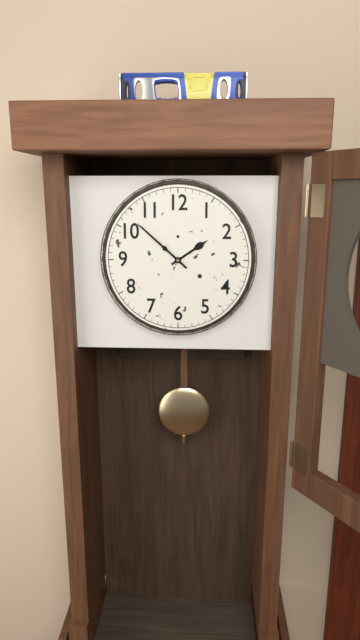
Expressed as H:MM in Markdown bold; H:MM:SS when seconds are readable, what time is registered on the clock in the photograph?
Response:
**1:52**
